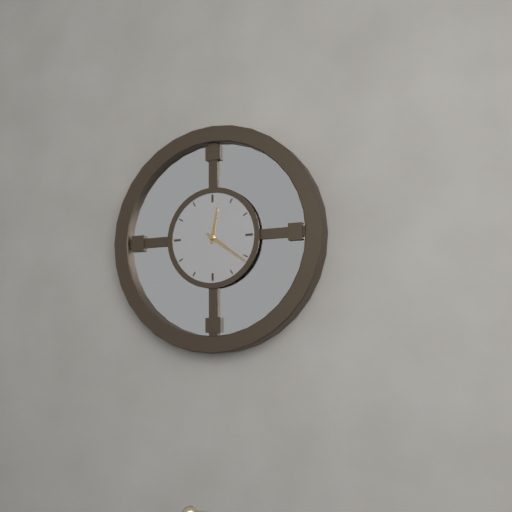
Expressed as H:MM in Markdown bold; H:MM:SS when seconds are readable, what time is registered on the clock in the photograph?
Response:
**12:21**
